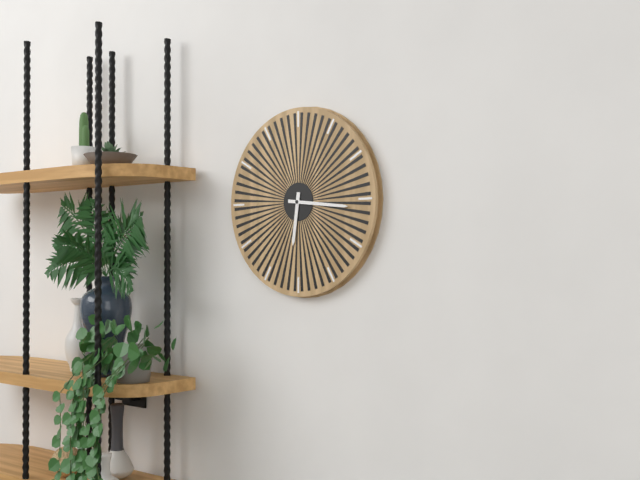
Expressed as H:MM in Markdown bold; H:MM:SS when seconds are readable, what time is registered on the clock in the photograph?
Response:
**6:16**
